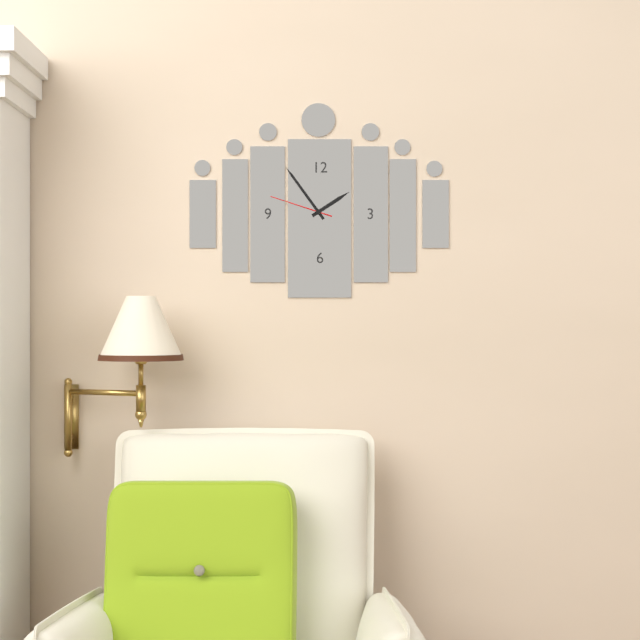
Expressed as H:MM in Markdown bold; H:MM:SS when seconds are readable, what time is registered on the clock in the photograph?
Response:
**1:54:48**
